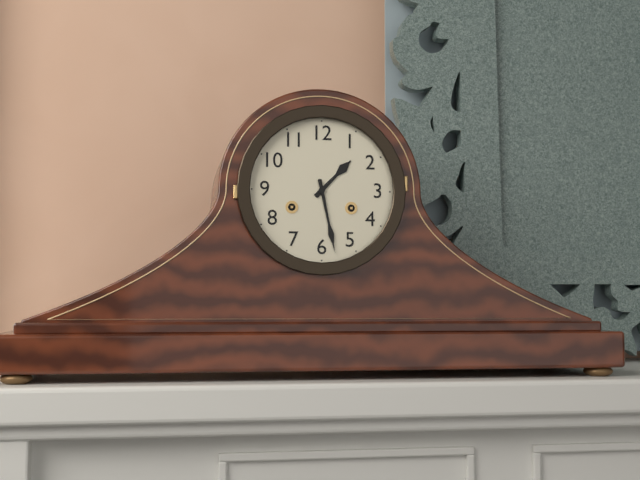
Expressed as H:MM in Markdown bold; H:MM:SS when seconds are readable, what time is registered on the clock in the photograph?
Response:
**1:28**
